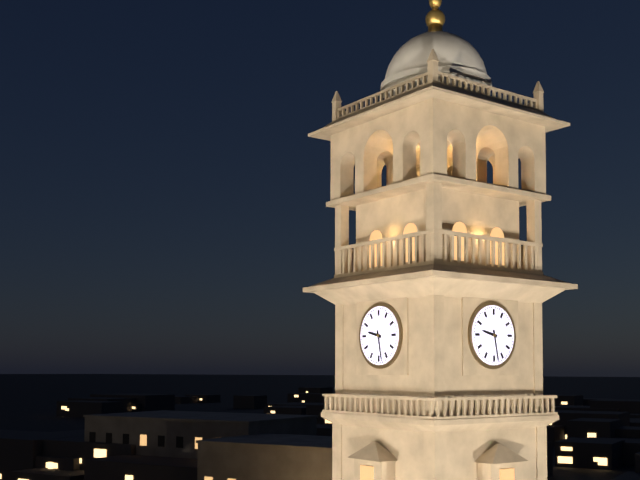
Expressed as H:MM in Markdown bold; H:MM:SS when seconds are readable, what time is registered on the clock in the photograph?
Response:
**9:28**
